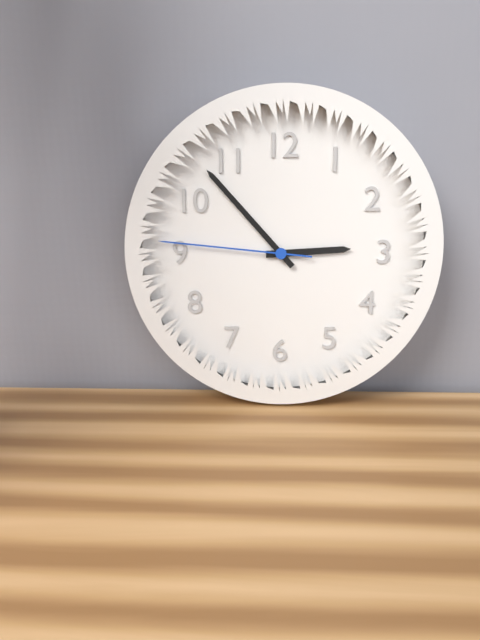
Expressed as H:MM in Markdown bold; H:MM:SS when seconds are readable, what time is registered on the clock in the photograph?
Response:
**2:53:46**
